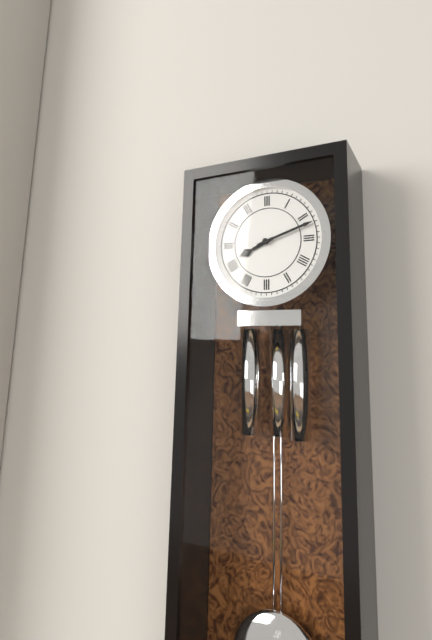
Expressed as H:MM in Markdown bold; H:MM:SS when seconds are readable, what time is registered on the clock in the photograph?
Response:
**8:12**
